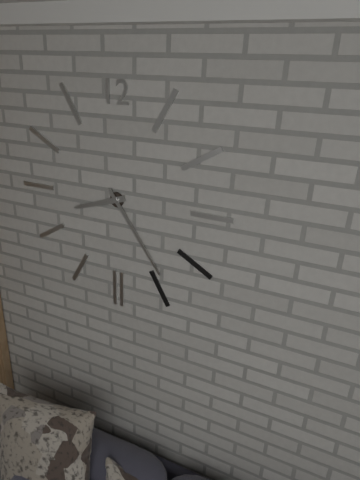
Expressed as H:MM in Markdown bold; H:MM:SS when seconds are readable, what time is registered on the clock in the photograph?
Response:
**8:24**
